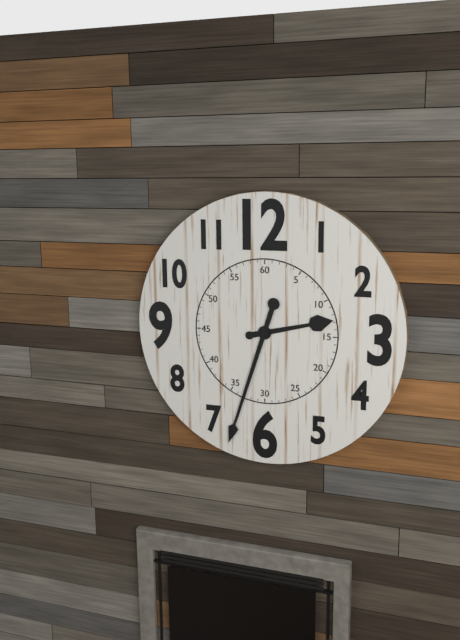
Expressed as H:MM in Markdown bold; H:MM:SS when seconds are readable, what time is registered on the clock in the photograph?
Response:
**2:33**
